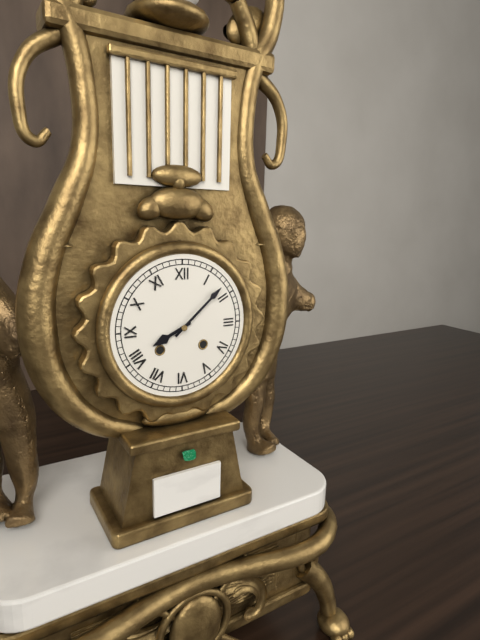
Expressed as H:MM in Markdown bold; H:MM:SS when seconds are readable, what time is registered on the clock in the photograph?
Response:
**8:08**
